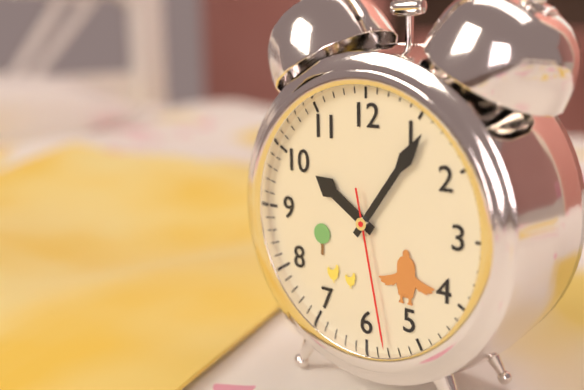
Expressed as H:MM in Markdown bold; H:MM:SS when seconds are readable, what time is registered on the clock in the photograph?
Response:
**10:06:28**
